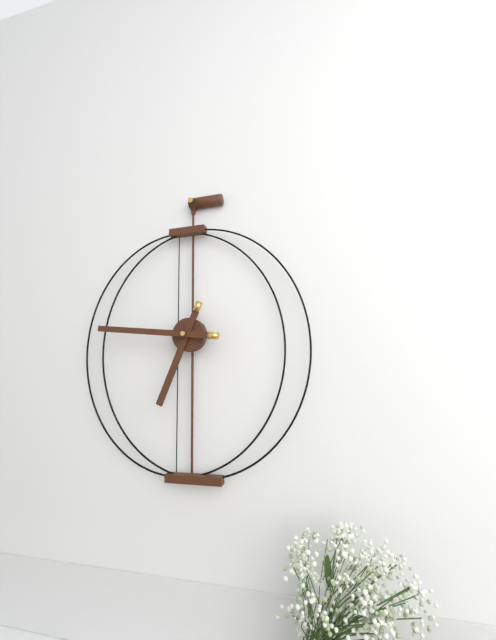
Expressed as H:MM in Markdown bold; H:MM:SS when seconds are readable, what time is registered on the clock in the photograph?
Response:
**6:46**
